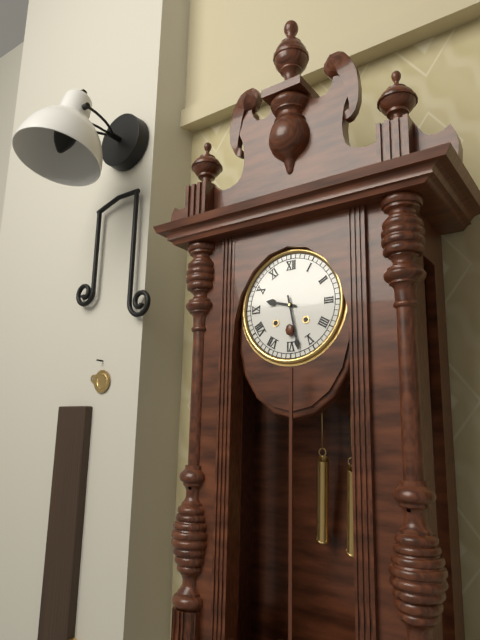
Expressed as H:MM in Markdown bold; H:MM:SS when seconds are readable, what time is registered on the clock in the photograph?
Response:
**9:28**
